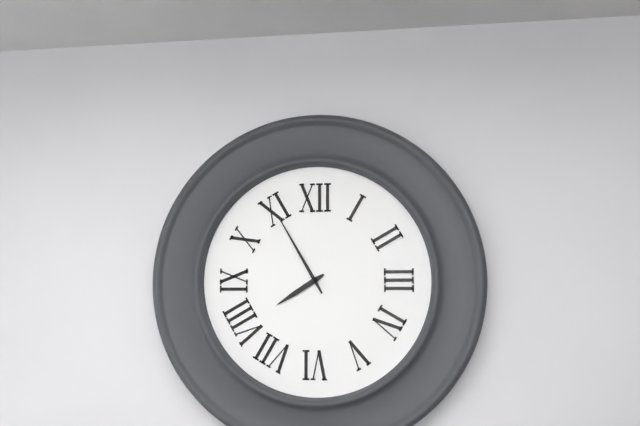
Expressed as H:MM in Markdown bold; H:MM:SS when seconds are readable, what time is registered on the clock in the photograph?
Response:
**7:55**
